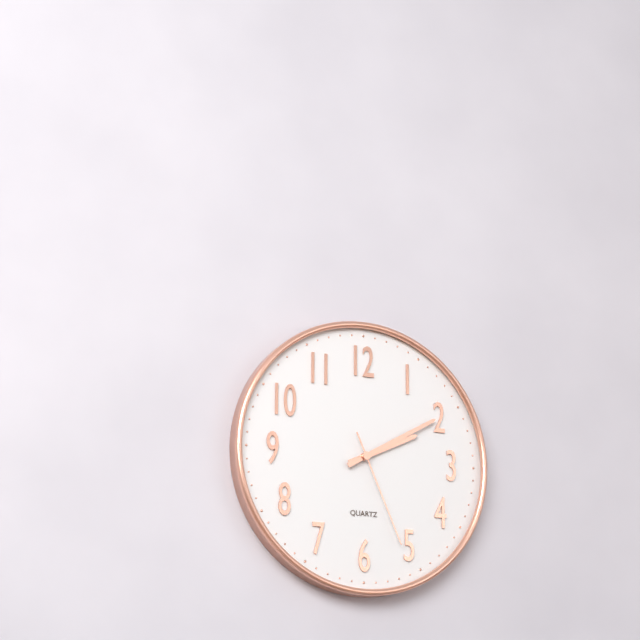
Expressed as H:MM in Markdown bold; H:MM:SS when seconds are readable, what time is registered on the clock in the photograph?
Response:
**2:10:26**
